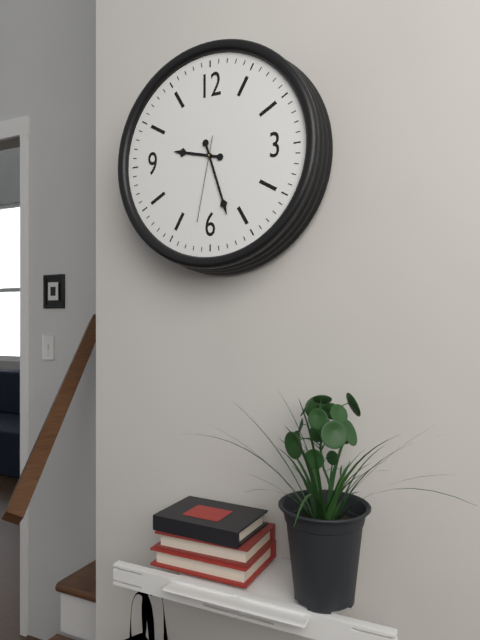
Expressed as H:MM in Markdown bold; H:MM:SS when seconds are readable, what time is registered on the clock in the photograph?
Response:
**9:27:32**
